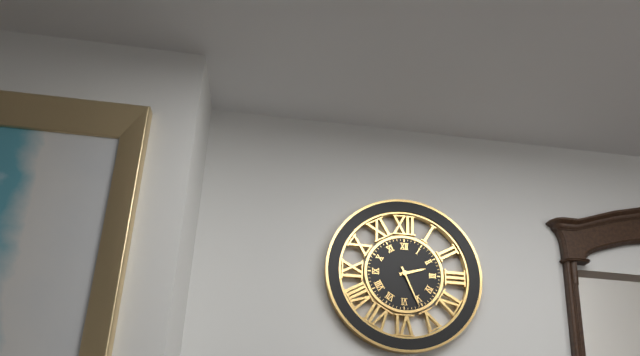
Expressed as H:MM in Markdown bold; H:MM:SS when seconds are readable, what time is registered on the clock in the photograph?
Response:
**2:26**
